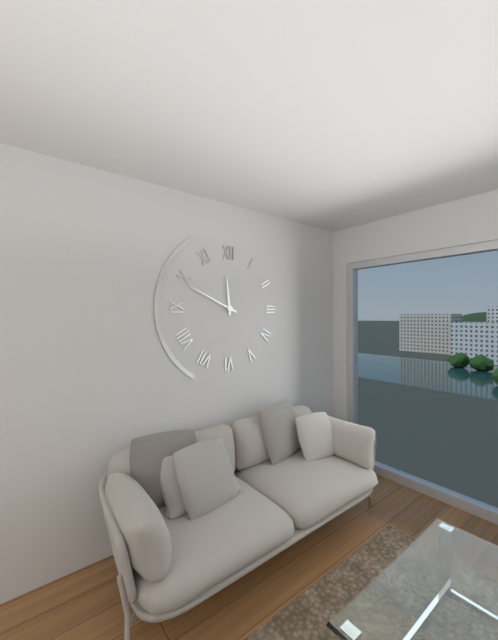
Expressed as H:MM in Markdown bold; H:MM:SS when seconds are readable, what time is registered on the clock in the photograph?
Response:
**11:49**
